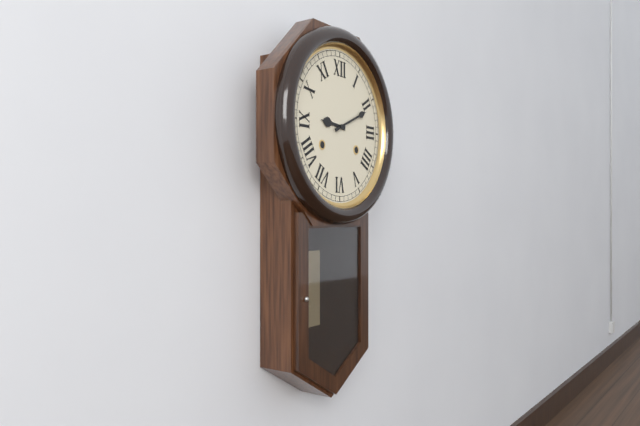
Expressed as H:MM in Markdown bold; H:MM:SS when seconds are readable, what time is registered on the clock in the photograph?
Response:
**9:11**
